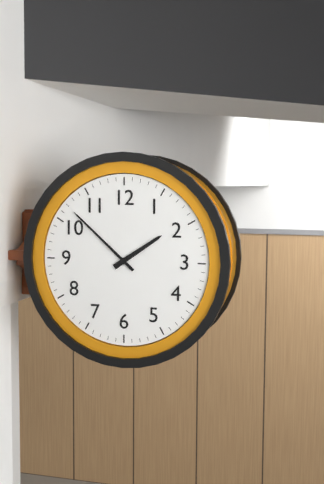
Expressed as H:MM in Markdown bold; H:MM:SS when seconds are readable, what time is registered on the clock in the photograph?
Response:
**1:52**
